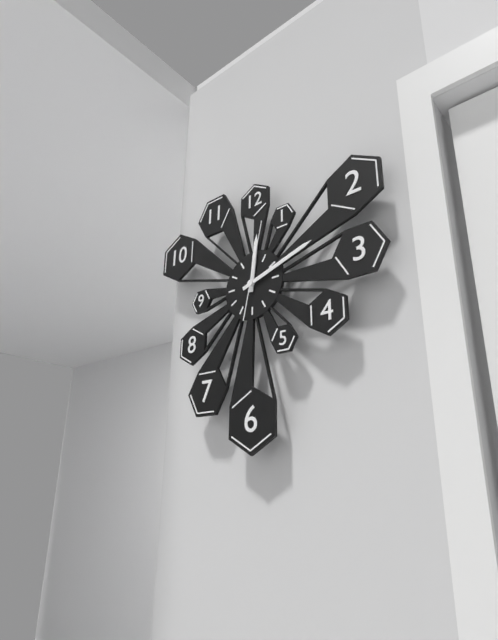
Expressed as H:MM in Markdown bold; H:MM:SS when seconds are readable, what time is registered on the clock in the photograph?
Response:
**12:12:02**
